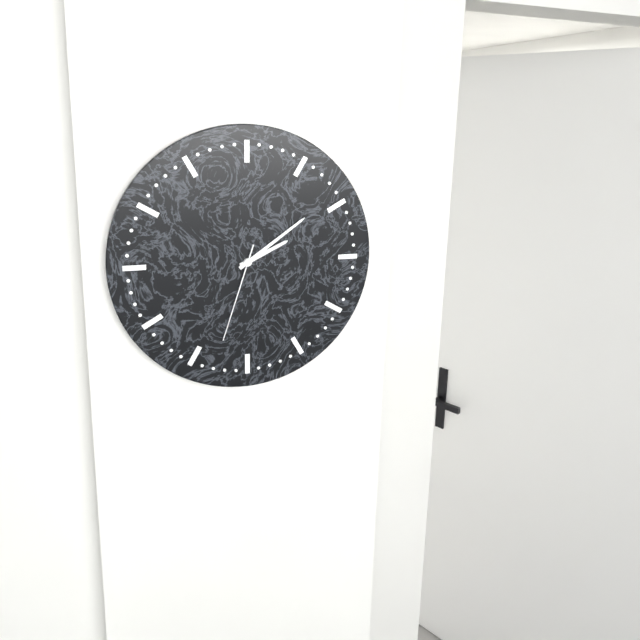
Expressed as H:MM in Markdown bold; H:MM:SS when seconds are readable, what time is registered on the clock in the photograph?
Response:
**2:09:33**
